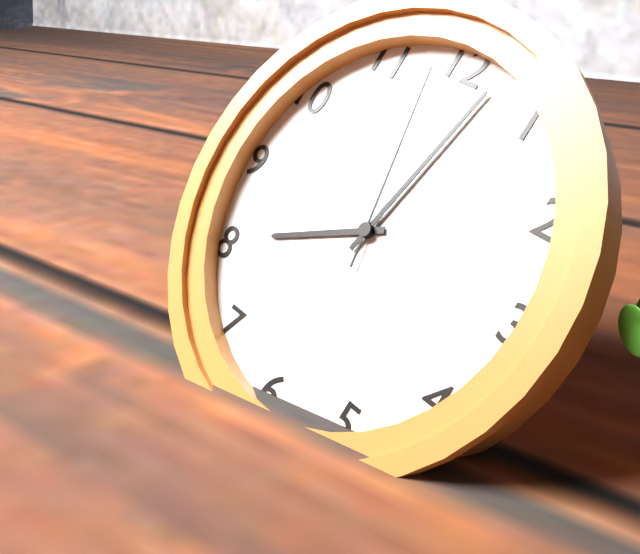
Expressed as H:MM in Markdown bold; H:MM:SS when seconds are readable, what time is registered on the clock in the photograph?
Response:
**8:02:58**
